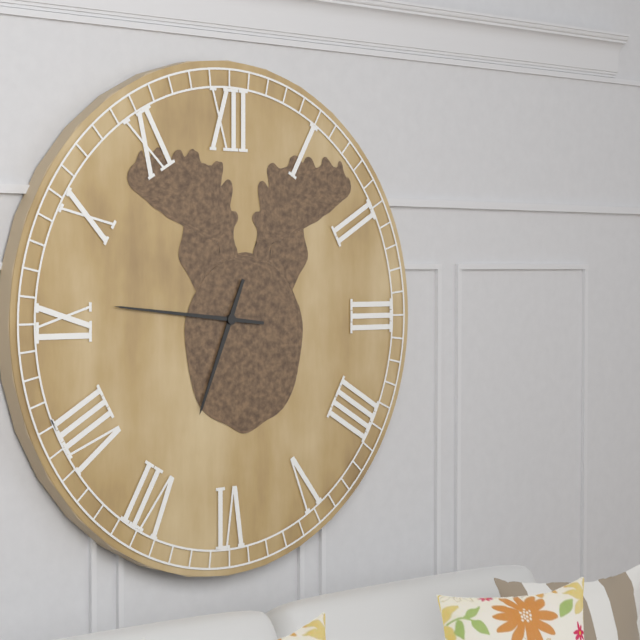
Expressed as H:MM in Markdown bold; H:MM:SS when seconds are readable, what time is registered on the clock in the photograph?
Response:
**6:46**
